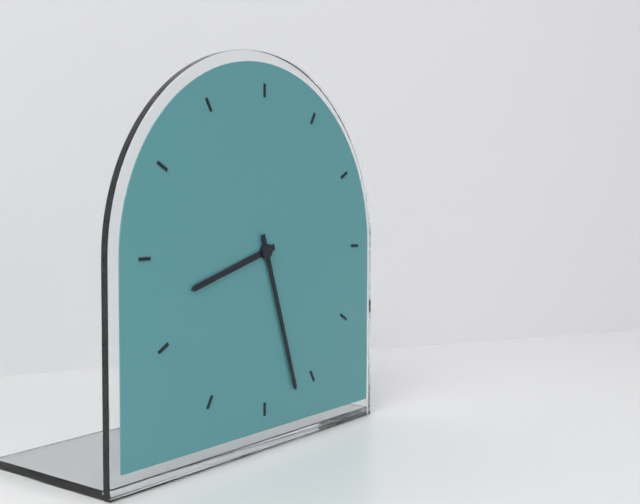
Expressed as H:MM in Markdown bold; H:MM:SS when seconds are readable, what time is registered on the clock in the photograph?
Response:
**8:27**
